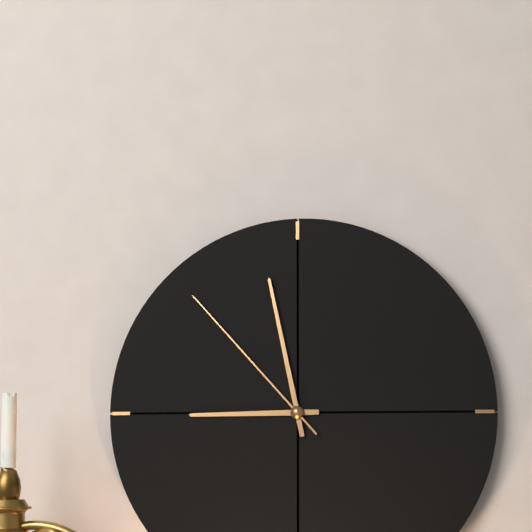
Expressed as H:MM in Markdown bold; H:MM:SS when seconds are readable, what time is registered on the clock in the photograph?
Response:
**8:58:53**
